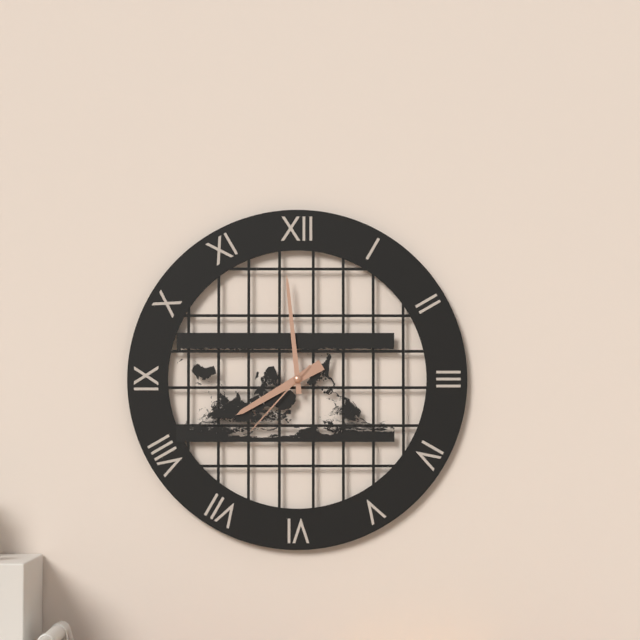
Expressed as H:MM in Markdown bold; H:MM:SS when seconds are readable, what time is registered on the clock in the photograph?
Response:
**7:59:37**
